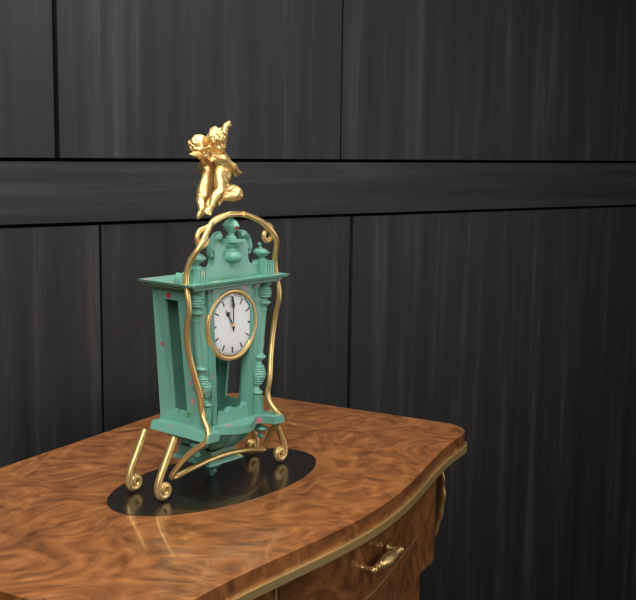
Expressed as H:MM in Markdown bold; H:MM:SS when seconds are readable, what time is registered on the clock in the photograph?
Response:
**11:00**
